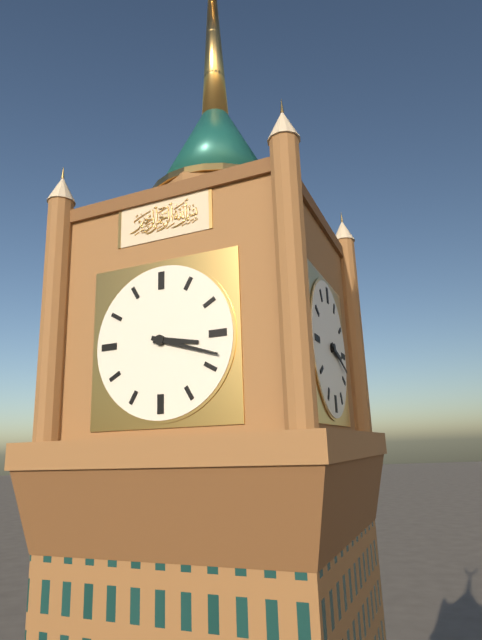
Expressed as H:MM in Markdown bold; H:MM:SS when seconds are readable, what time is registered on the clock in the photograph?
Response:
**3:18**
